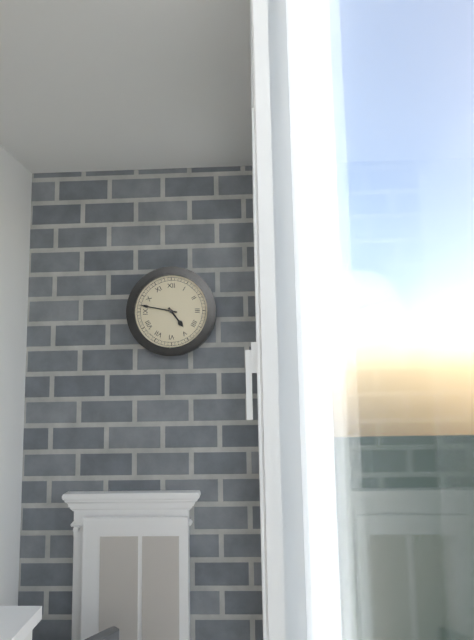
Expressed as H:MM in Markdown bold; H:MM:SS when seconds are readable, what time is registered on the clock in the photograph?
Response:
**4:47**
